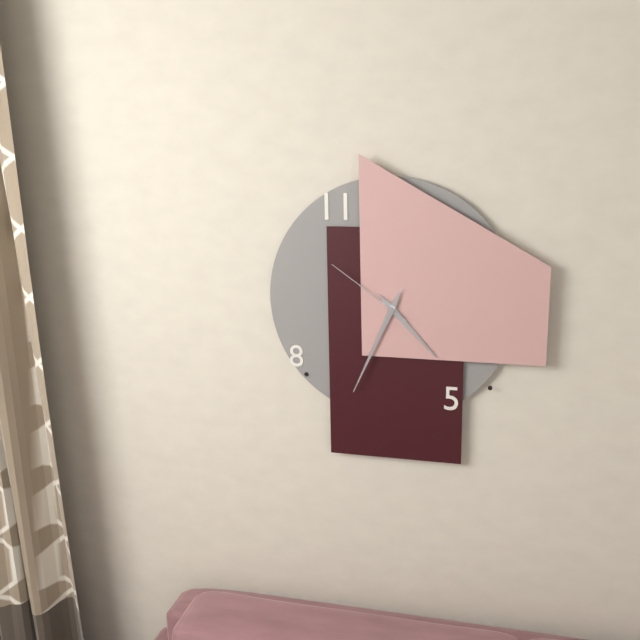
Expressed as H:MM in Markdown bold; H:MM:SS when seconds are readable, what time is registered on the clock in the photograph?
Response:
**4:34:51**
